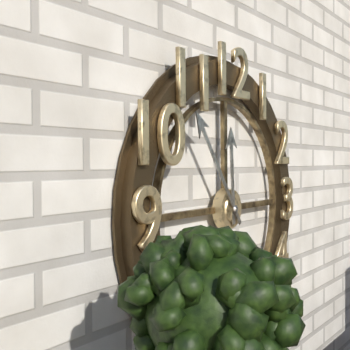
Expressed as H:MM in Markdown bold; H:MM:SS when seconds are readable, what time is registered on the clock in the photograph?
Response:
**11:54**
